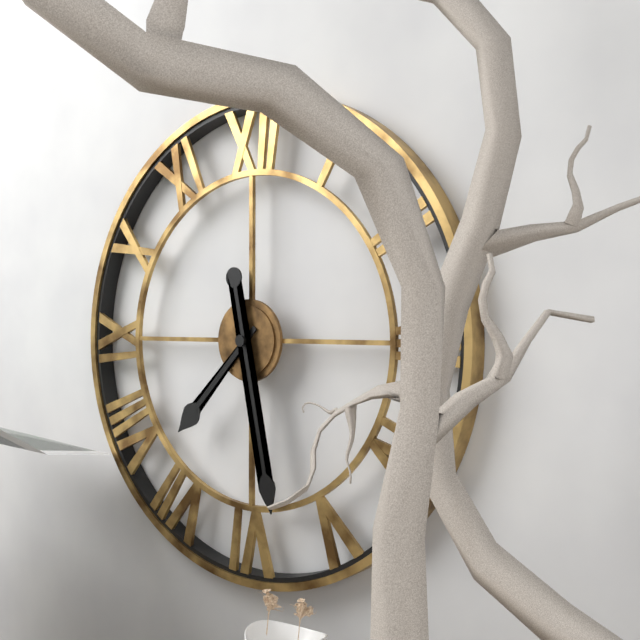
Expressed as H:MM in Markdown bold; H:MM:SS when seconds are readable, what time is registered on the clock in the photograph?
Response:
**7:28**
